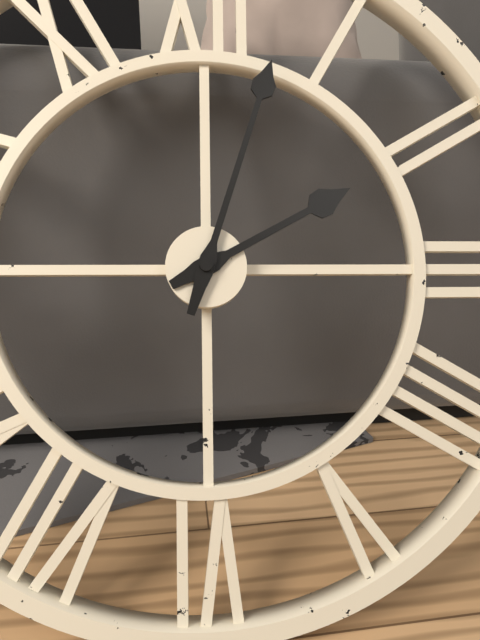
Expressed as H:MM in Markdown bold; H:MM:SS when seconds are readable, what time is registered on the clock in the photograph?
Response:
**2:03**
